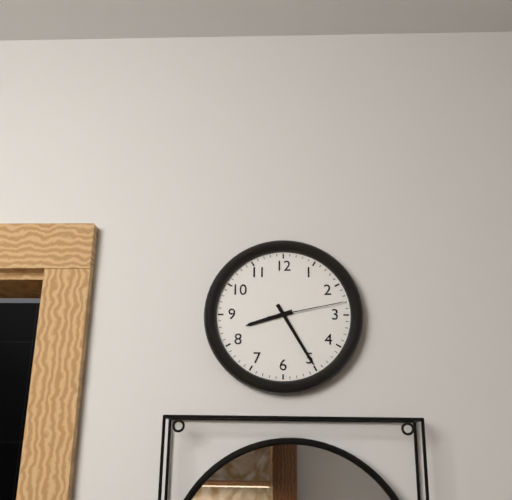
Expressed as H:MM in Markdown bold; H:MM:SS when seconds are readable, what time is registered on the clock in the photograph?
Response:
**8:25:13**
